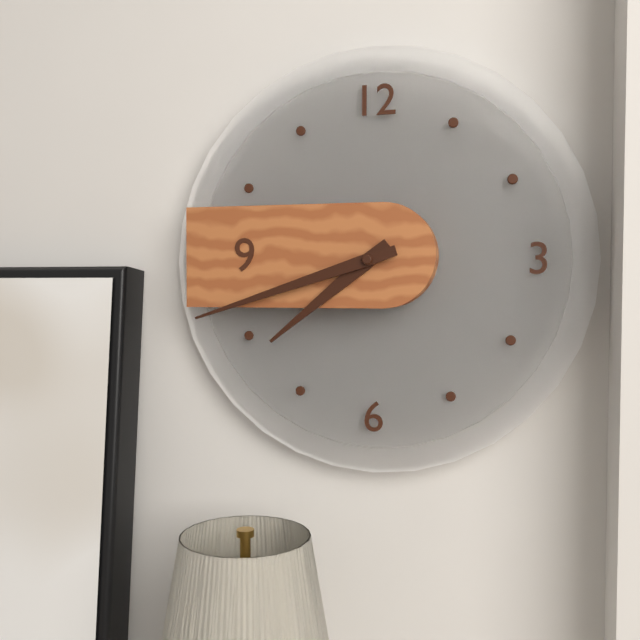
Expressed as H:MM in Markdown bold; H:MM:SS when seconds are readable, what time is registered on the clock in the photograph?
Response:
**7:42**
